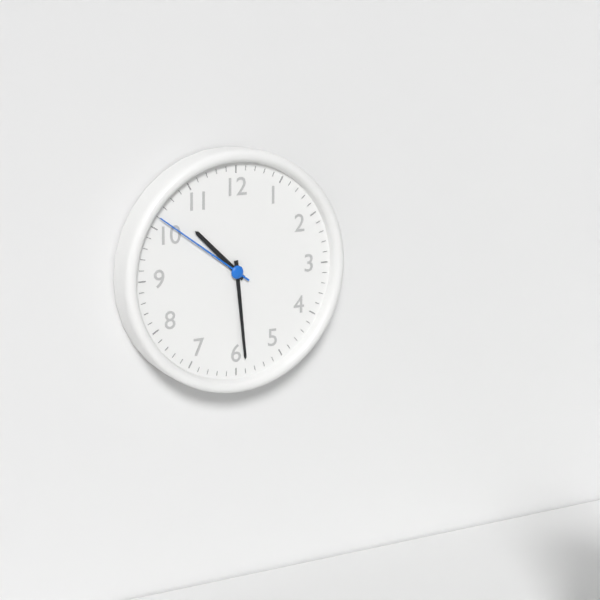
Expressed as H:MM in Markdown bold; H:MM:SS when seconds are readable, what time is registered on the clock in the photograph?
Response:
**10:29:51**
